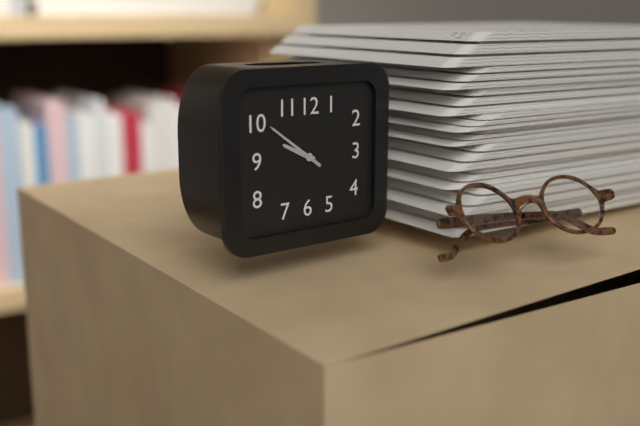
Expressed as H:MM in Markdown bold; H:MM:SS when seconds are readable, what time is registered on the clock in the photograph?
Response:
**9:51**
